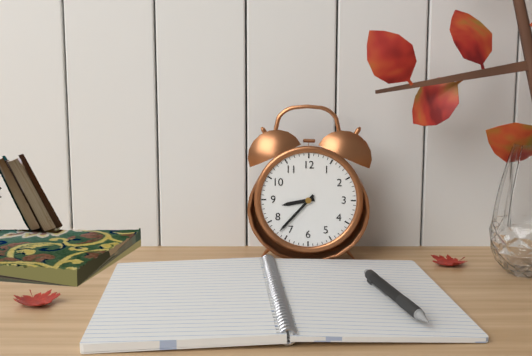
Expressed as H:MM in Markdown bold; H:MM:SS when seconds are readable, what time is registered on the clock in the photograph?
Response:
**8:37**
